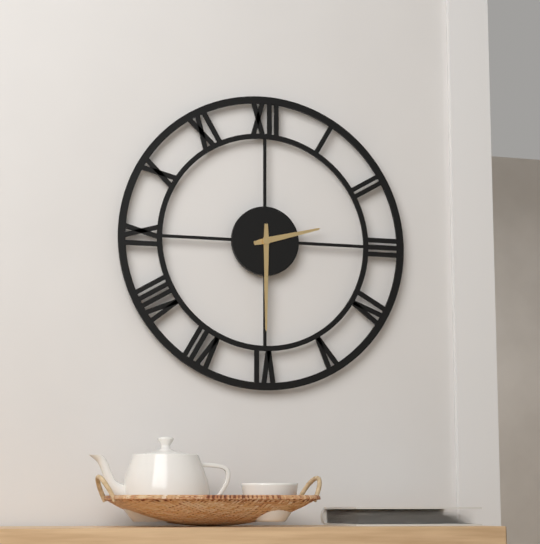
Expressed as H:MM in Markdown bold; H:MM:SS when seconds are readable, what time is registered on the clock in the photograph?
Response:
**2:30**
